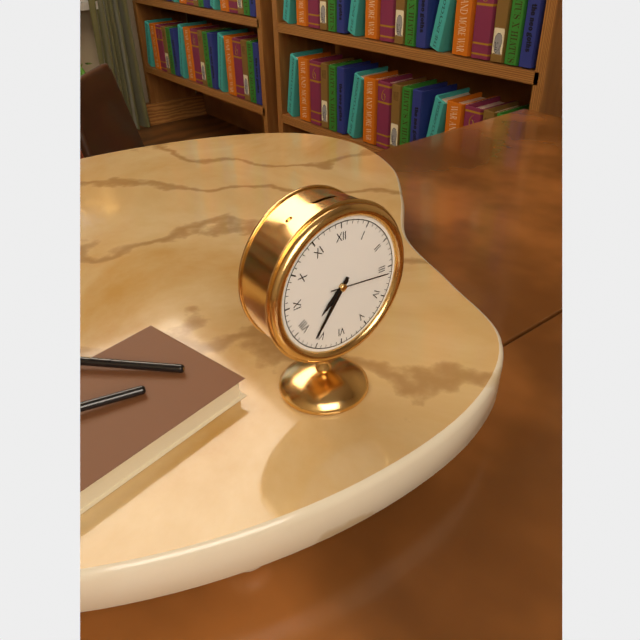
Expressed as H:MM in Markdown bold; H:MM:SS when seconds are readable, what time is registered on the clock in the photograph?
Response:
**7:36:16**
